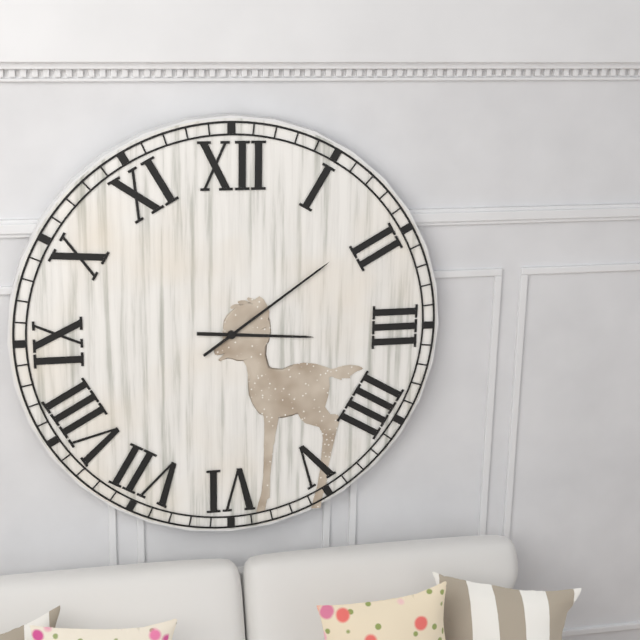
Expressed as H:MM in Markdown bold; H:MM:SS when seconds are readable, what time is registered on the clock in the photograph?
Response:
**3:09**
